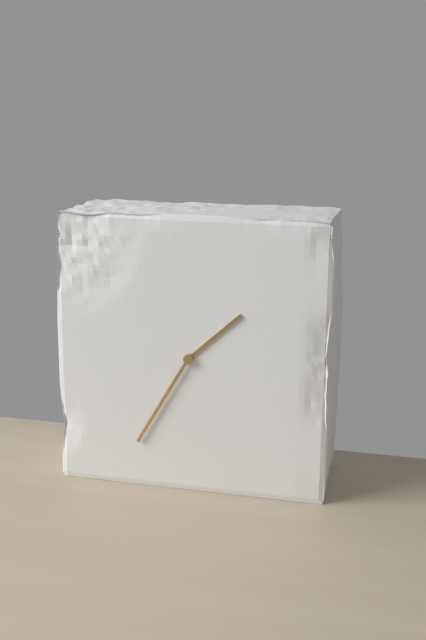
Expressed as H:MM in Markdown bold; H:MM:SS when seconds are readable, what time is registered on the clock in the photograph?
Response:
**1:35**
